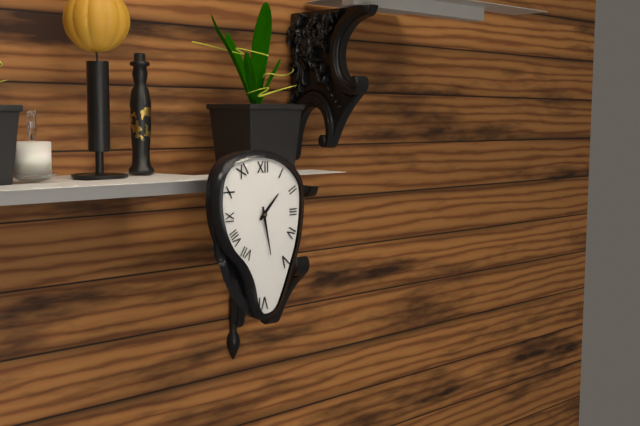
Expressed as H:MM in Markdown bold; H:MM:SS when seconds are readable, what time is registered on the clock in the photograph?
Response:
**1:28**
